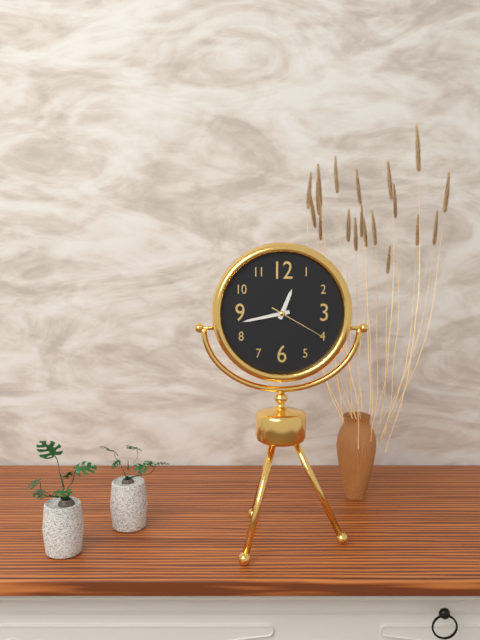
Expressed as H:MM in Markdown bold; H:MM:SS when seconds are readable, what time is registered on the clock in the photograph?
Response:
**12:43:20**
